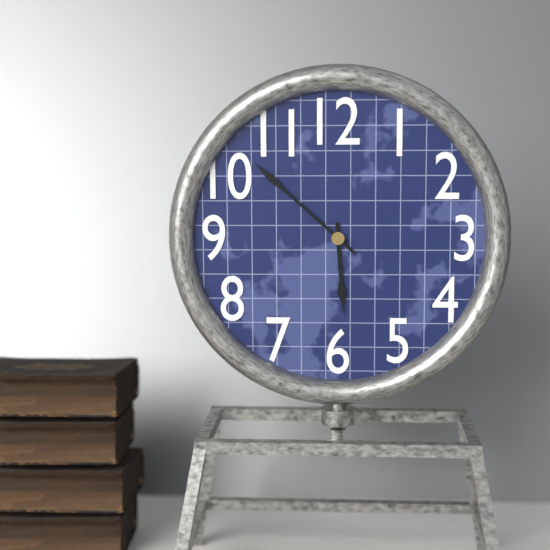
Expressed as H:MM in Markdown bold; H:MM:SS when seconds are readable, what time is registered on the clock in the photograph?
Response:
**5:52**
